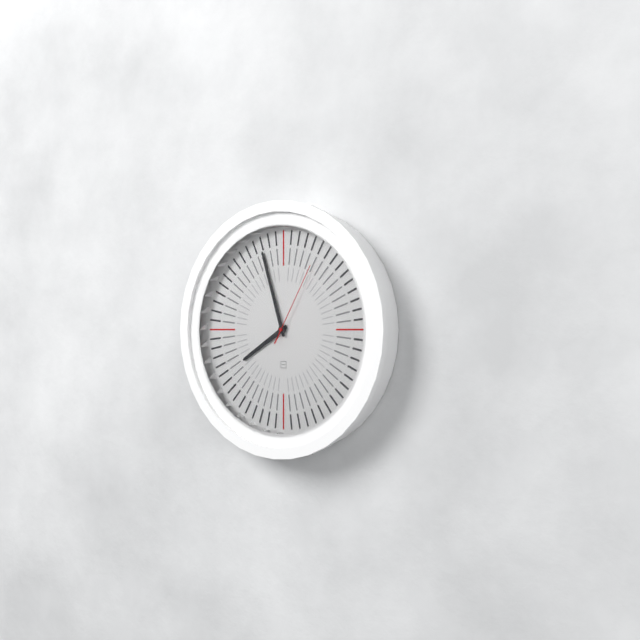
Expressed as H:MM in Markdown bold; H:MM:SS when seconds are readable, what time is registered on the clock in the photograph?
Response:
**7:57:05**
